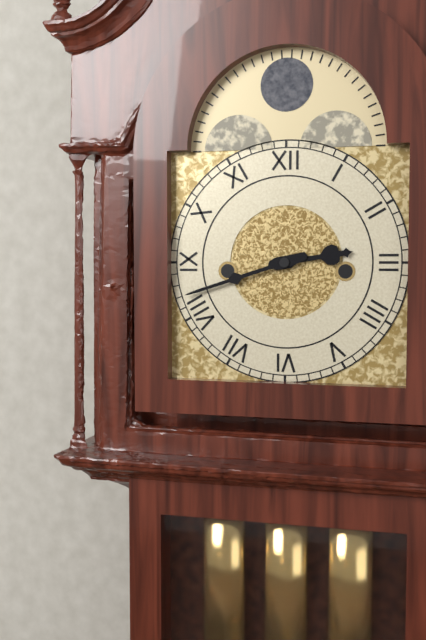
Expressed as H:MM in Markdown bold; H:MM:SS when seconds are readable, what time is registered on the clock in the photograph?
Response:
**2:42**
